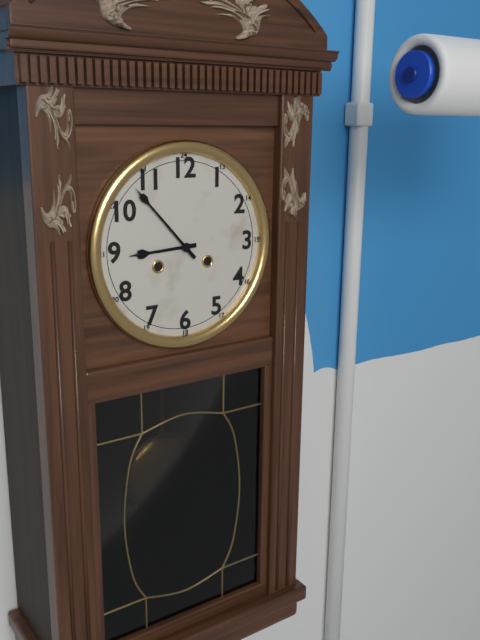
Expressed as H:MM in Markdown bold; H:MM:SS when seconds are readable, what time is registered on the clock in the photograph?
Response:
**8:53**
